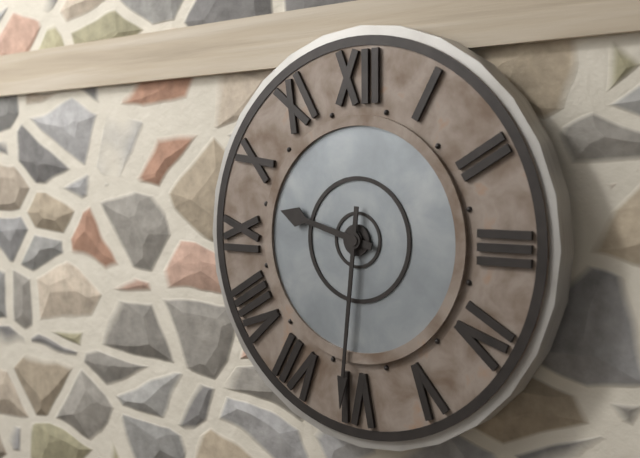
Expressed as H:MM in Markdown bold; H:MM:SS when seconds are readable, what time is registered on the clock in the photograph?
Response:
**9:31**
